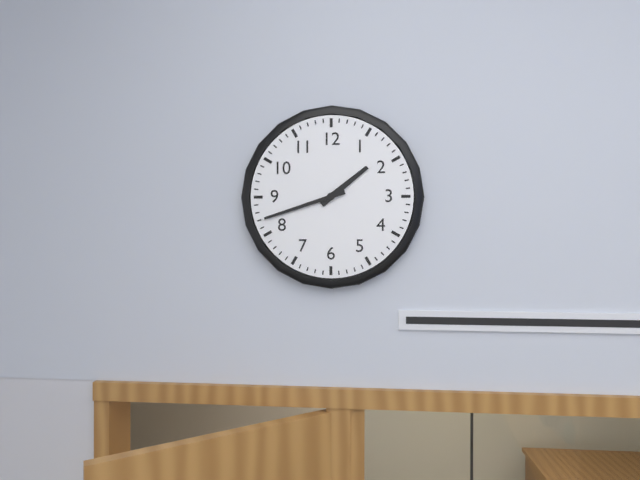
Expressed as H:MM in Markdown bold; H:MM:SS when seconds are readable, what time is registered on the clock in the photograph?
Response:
**1:42**
